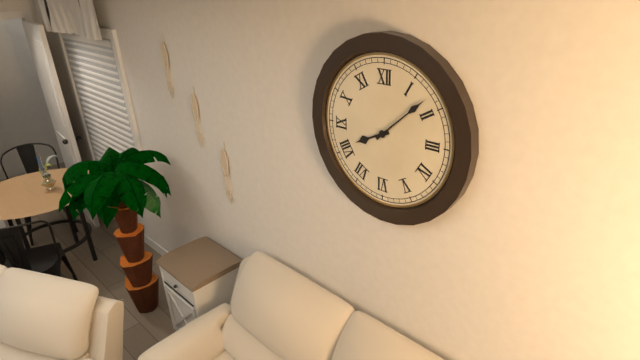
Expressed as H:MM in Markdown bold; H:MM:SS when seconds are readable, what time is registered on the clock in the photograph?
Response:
**8:08**
